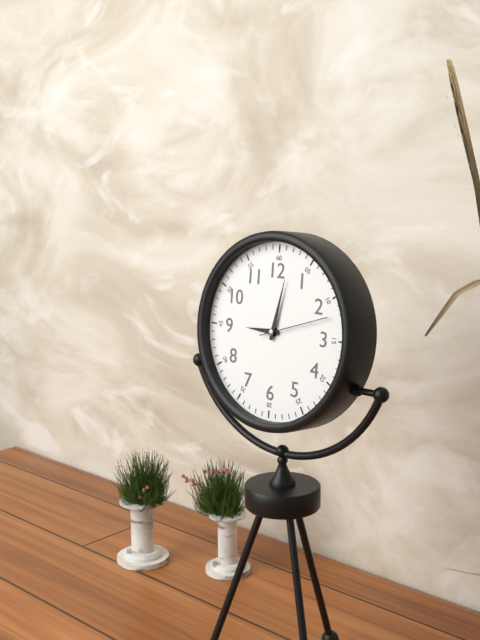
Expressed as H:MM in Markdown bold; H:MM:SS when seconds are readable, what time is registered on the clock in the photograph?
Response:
**9:02:12**
